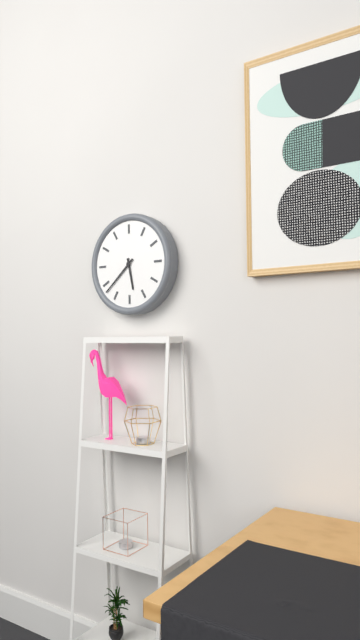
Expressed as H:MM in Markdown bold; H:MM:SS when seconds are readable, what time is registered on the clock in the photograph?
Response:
**5:38**
